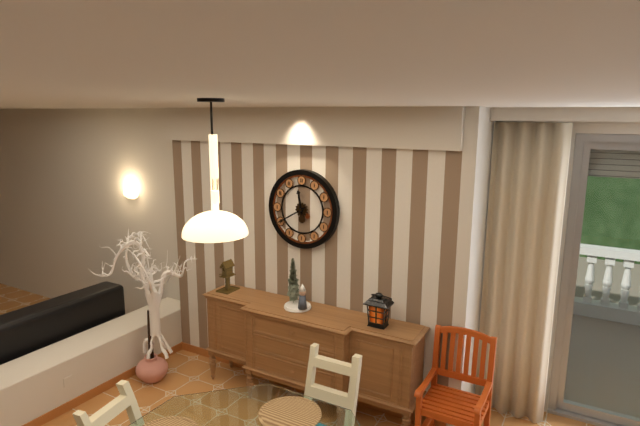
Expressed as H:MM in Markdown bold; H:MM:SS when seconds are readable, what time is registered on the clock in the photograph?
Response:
**11:40**
